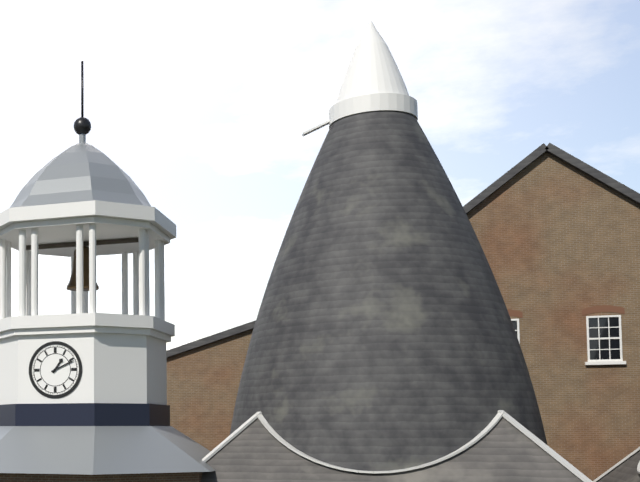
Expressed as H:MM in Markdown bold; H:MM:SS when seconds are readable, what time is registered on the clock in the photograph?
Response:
**1:11**
